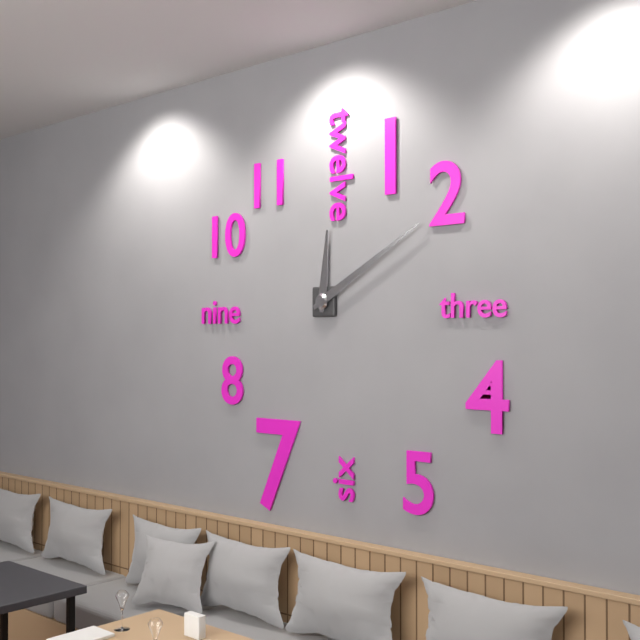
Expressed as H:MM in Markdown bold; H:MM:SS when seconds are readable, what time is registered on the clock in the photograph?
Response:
**12:10**
